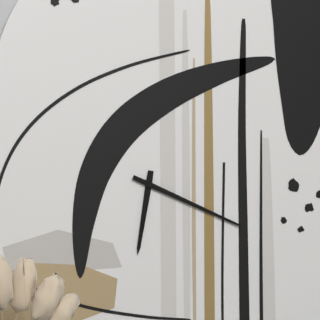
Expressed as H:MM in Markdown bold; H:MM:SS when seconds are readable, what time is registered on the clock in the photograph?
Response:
**6:19**
